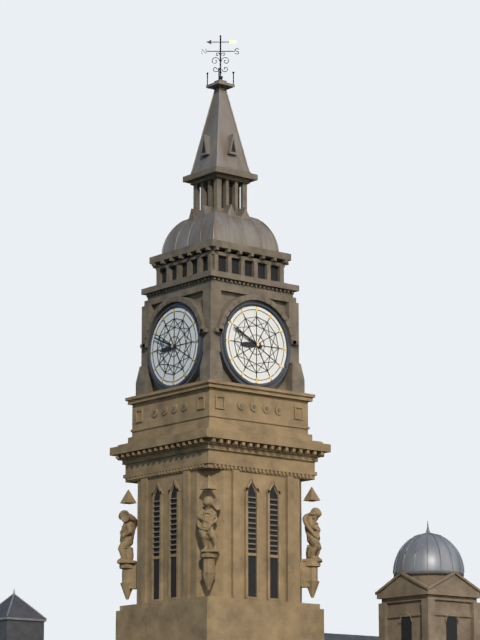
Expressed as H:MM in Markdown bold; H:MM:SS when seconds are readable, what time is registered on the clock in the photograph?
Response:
**8:49**
